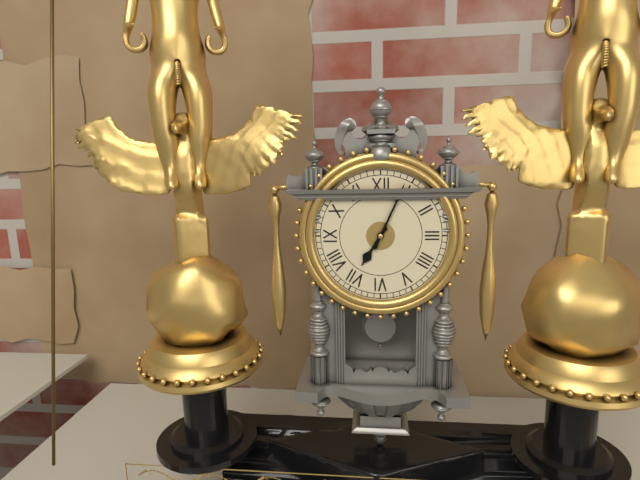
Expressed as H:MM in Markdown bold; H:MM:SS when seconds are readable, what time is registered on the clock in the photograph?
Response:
**7:04**
